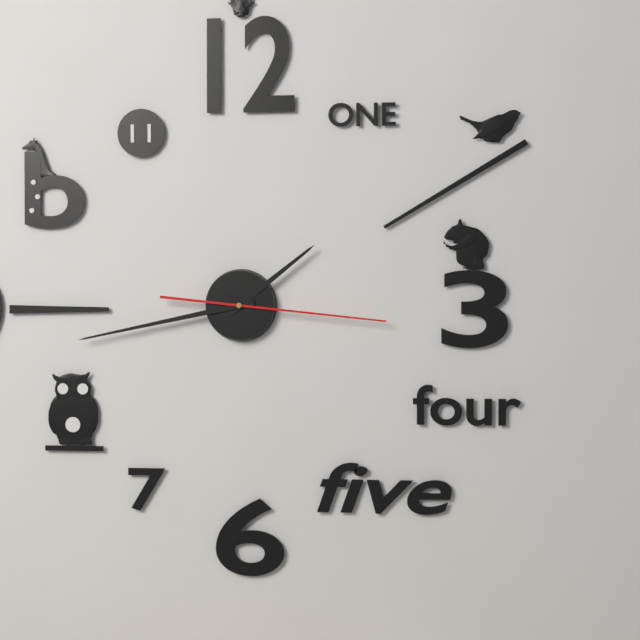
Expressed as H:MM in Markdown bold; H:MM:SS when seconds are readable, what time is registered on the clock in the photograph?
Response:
**1:43:16**
